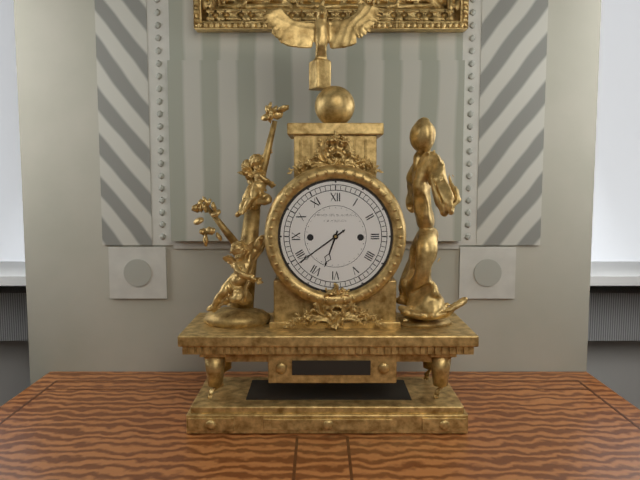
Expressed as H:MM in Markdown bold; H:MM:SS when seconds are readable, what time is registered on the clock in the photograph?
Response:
**6:39**
